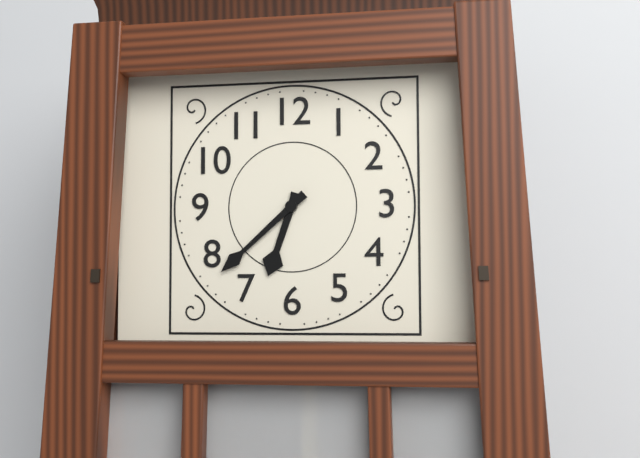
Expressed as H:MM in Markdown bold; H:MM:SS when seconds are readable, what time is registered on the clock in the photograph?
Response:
**6:38**
